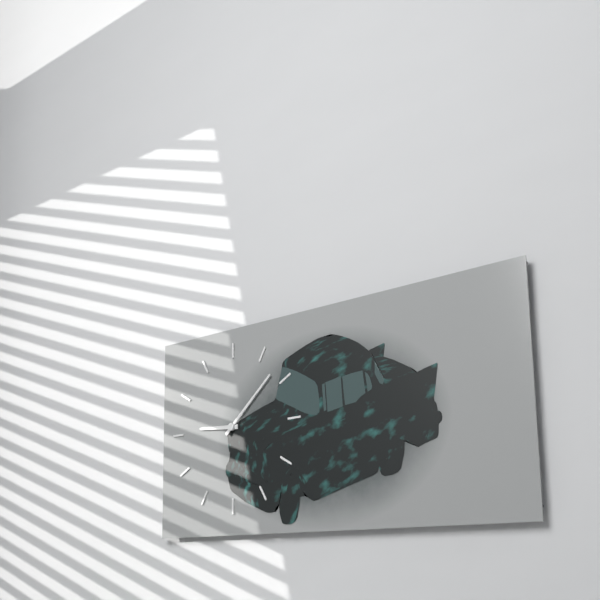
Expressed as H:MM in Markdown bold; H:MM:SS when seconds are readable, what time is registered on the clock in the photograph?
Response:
**9:08**
